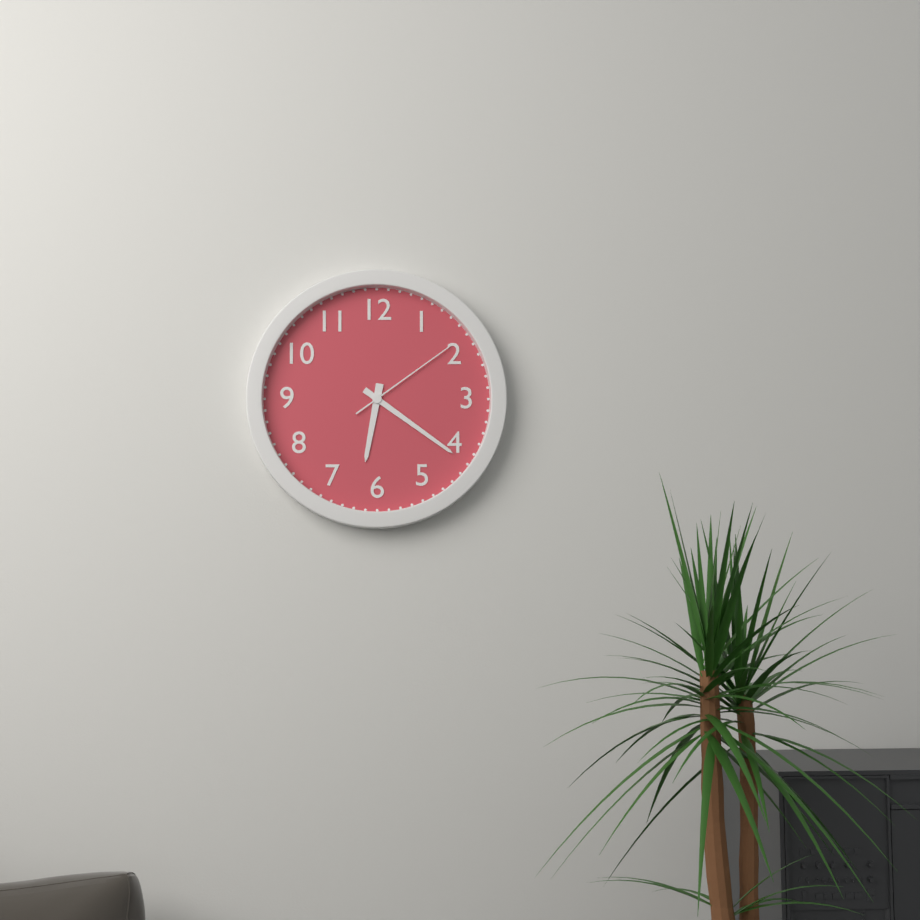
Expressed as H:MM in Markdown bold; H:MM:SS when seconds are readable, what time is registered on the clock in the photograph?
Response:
**6:21:09**
